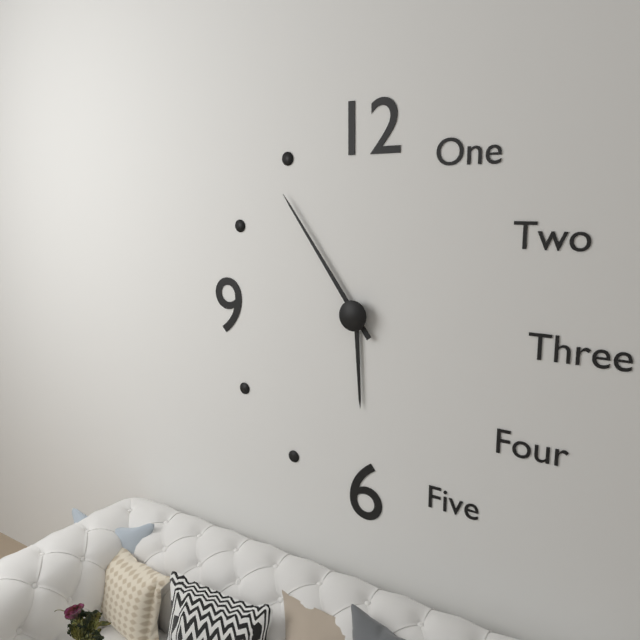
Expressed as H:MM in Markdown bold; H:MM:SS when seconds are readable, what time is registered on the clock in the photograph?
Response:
**5:54**
